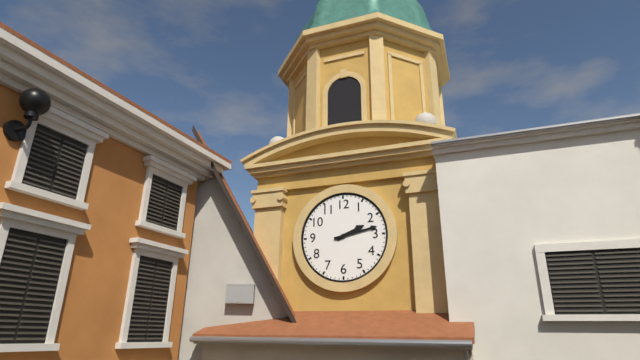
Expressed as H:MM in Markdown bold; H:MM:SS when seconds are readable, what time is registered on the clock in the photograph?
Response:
**2:13**
